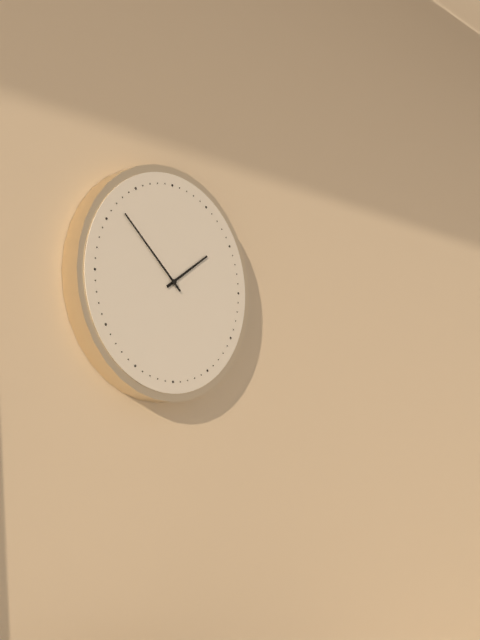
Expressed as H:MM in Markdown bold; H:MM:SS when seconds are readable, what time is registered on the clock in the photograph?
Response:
**1:52**
